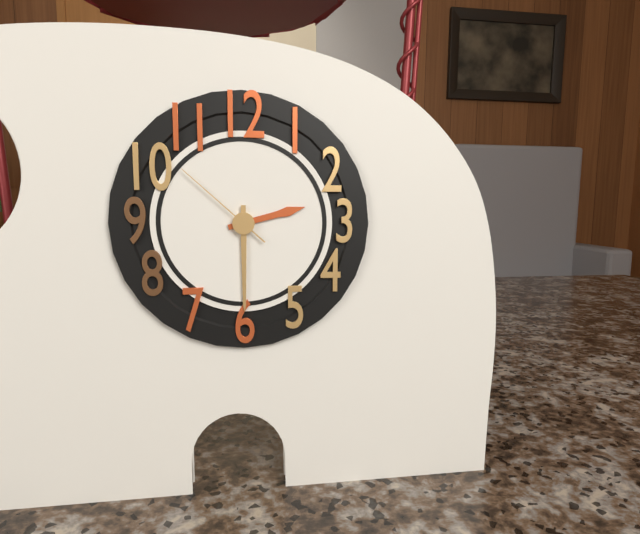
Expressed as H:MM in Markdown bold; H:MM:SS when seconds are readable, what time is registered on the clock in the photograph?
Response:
**2:30:52**
